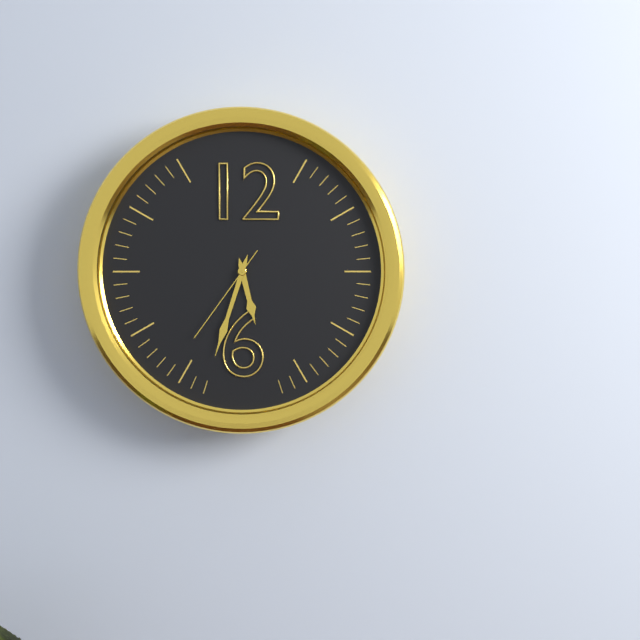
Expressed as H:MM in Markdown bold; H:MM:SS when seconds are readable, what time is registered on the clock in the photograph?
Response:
**5:33:36**
